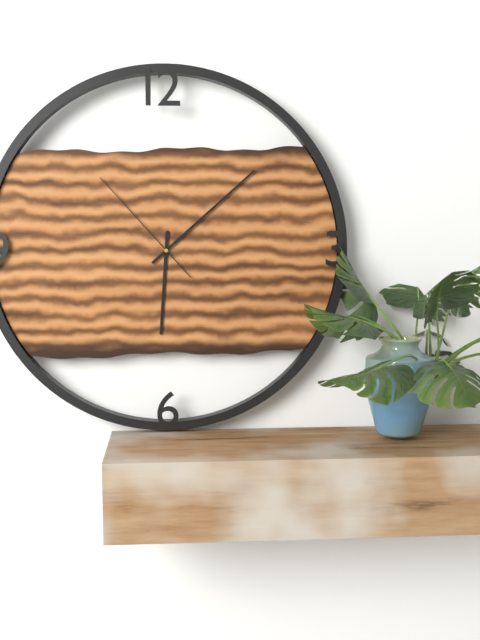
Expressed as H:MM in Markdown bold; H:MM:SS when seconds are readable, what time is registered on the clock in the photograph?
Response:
**6:08:53**
